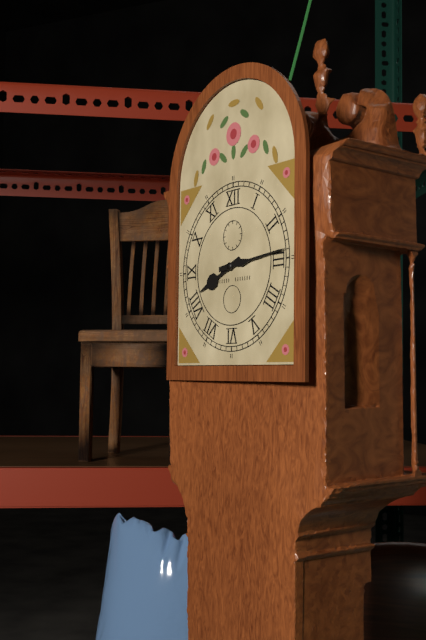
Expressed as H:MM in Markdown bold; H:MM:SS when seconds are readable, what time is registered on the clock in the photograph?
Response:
**8:14**
